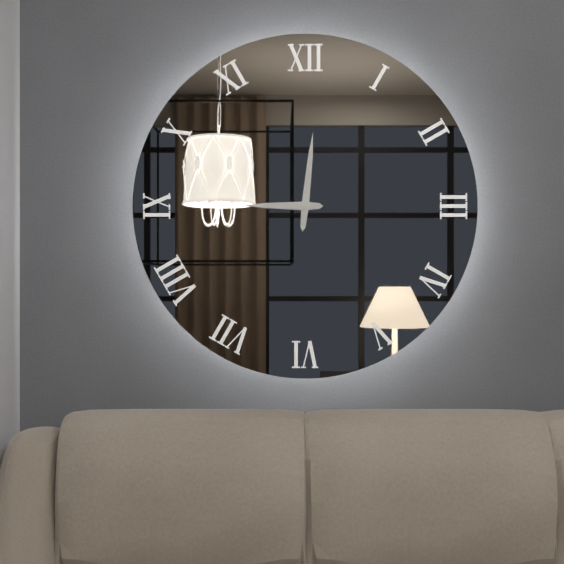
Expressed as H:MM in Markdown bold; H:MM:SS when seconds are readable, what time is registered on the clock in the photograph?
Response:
**9:01**
